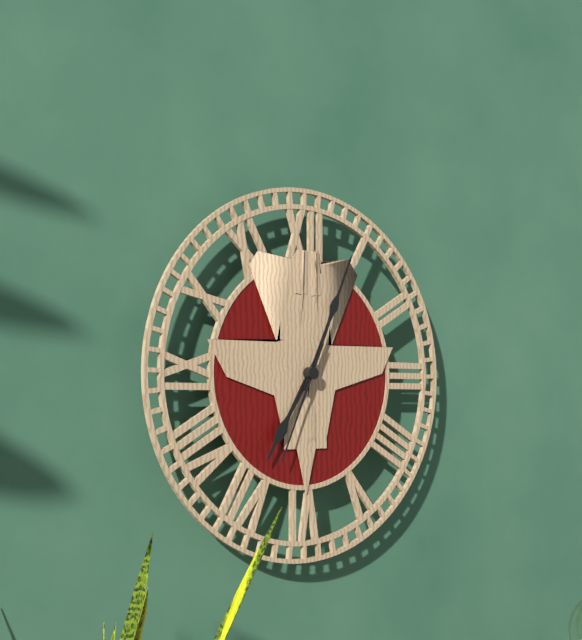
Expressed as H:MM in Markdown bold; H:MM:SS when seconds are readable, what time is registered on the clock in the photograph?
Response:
**7:04:34**
